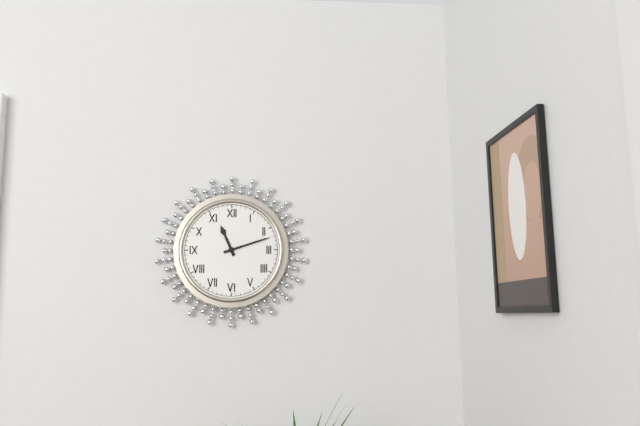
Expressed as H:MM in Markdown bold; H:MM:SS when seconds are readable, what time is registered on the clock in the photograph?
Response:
**11:12**
